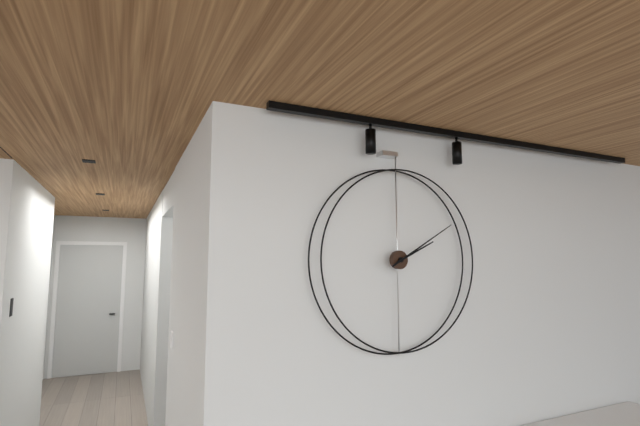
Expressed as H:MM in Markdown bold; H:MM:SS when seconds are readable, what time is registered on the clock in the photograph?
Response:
**2:10**
